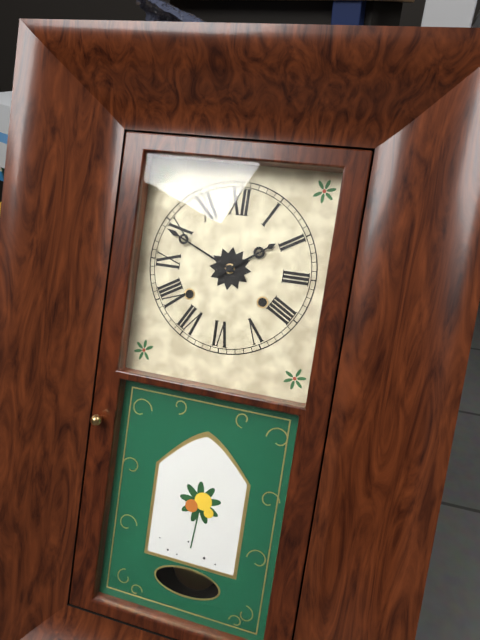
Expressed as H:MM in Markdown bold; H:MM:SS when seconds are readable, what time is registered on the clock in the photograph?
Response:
**1:49**
